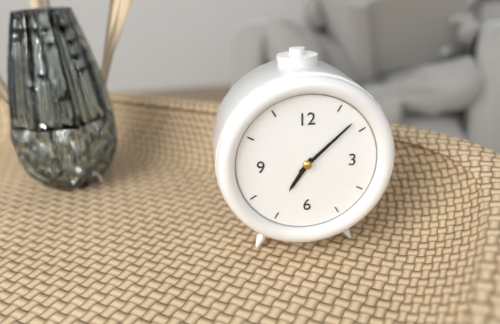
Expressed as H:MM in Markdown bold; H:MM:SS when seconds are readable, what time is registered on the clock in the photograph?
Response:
**7:08**
